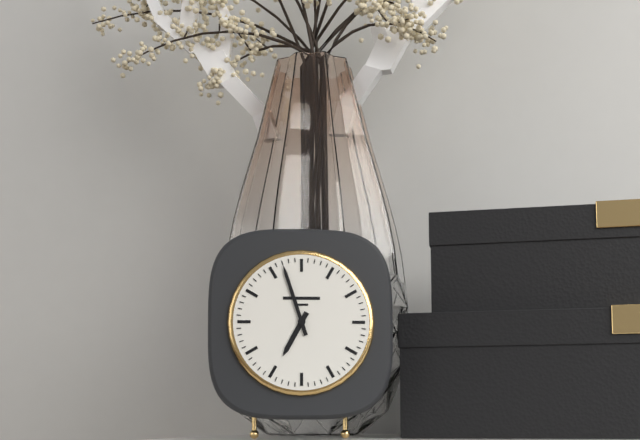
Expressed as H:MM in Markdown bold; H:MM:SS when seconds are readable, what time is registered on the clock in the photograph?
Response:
**6:57**
